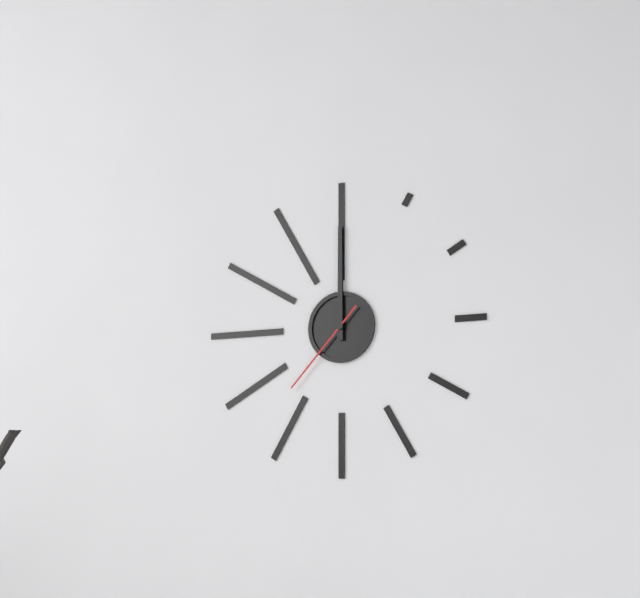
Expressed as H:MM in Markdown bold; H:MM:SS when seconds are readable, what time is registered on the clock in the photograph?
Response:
**12:00:37**
